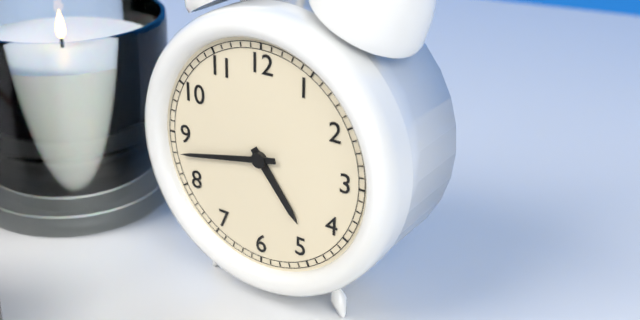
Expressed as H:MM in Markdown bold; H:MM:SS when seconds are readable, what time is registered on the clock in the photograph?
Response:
**4:43**
